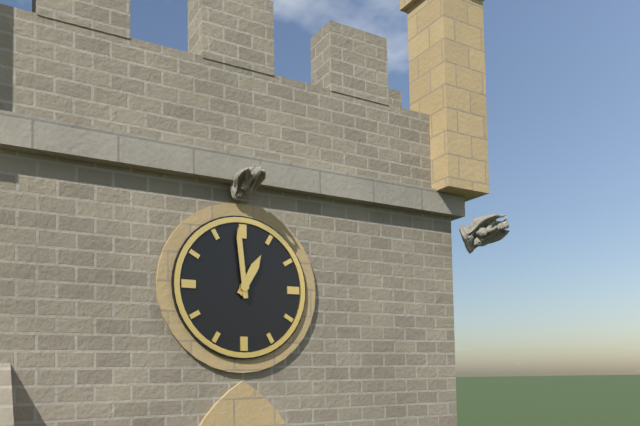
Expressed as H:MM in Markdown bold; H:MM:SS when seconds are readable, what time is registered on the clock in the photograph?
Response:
**12:59**
